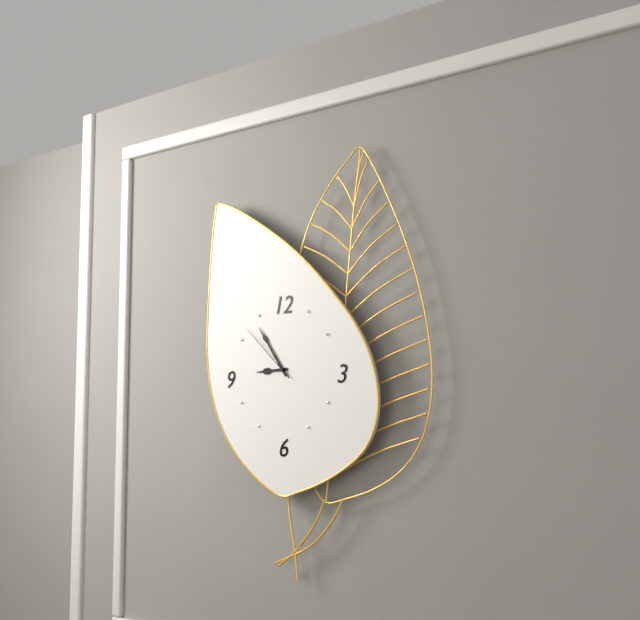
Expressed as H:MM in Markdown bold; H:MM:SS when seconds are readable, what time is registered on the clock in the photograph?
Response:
**8:54:52**
